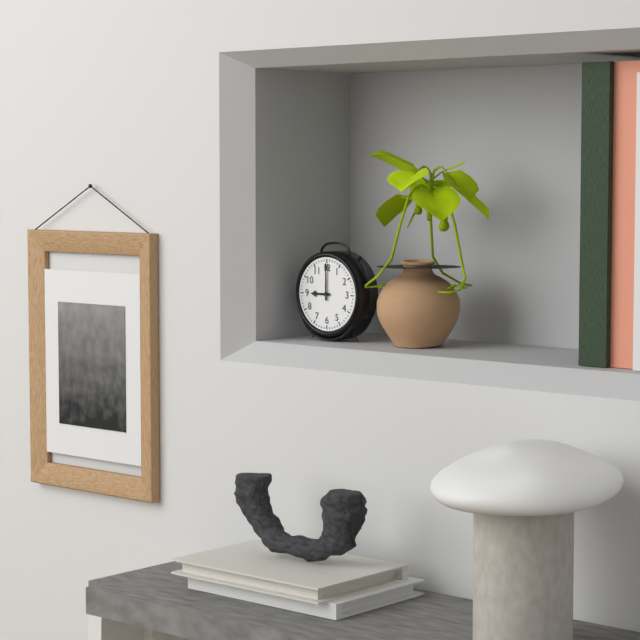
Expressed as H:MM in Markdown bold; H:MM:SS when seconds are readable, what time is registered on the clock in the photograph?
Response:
**9:00**
